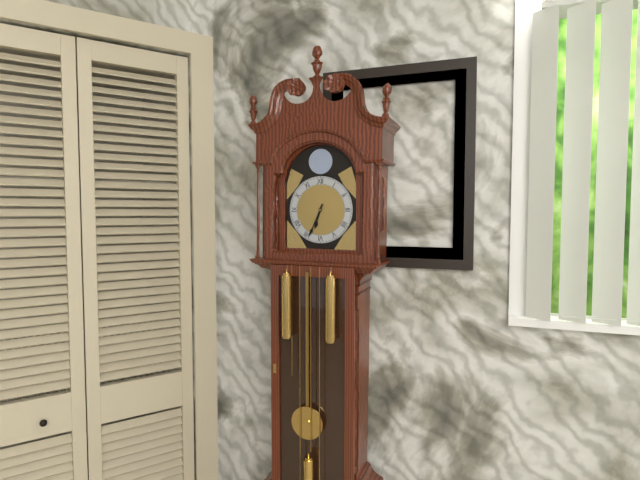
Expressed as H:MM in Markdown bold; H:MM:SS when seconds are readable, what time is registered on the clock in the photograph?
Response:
**6:34**
